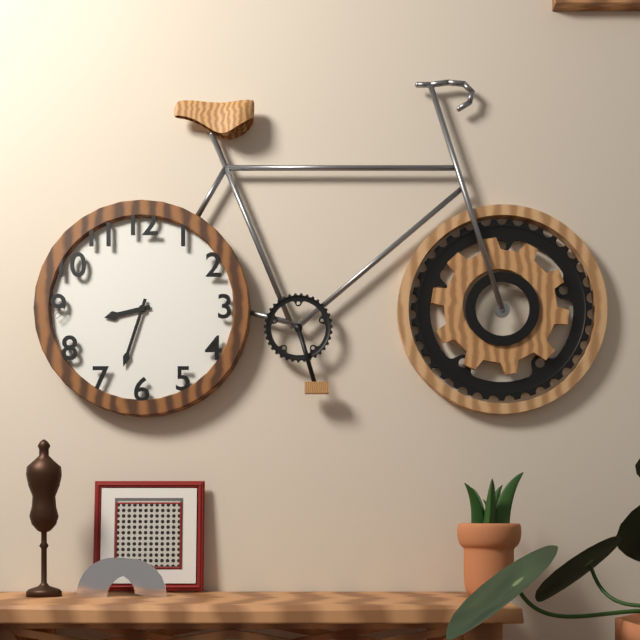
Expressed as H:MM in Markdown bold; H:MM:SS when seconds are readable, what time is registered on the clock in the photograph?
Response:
**8:33**
